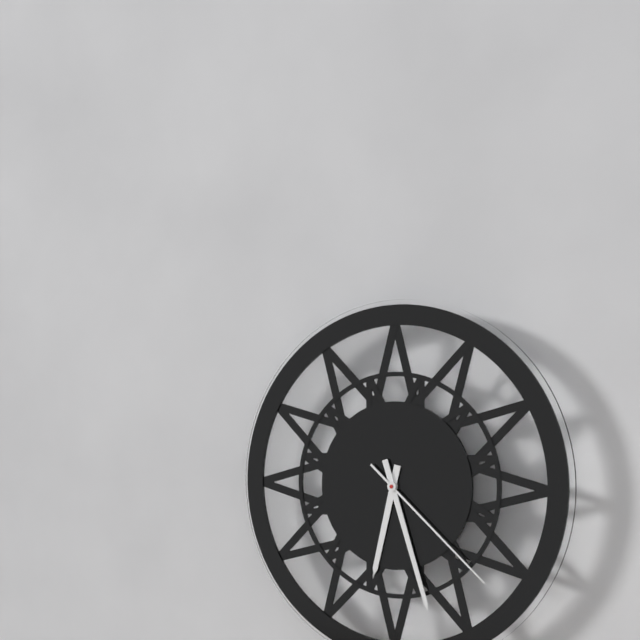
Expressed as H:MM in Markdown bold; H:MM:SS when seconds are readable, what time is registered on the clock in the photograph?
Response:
**6:27:22**
